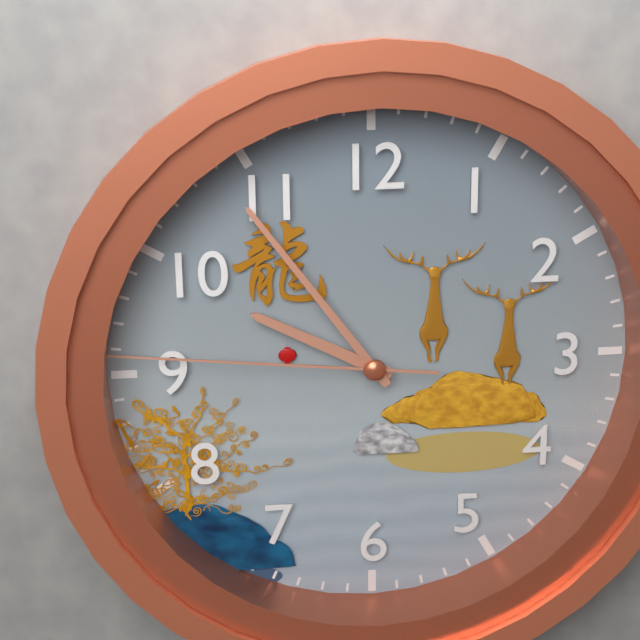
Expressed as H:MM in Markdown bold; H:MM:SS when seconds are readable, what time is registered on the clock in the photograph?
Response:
**9:54:46**
